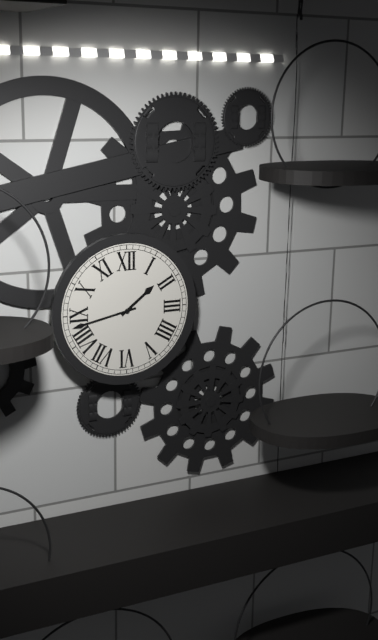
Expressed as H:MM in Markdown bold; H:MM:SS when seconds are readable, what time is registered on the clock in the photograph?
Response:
**1:43**
